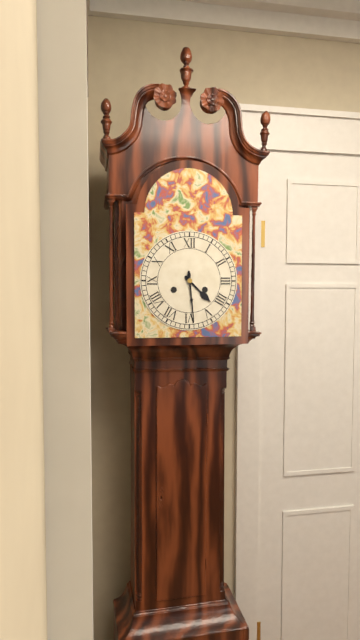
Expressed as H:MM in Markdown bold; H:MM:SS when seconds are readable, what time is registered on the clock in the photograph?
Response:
**4:29**
